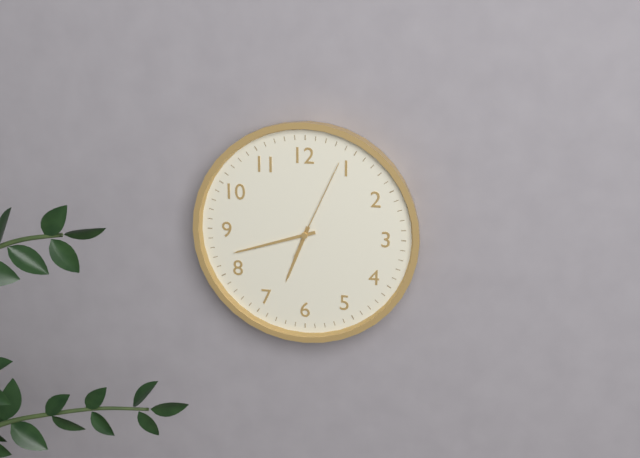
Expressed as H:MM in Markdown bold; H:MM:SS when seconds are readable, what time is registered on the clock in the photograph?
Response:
**6:42:04**
